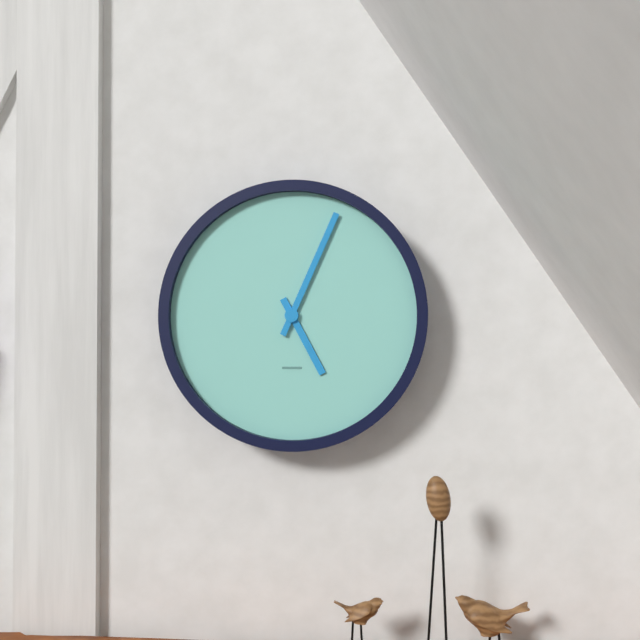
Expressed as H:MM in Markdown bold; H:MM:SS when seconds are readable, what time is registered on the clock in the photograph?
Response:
**5:04**
